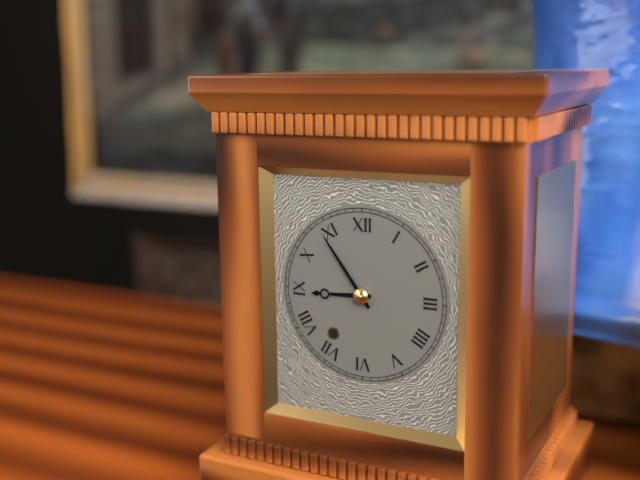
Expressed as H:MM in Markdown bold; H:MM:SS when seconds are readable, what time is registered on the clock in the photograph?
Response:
**8:54**
